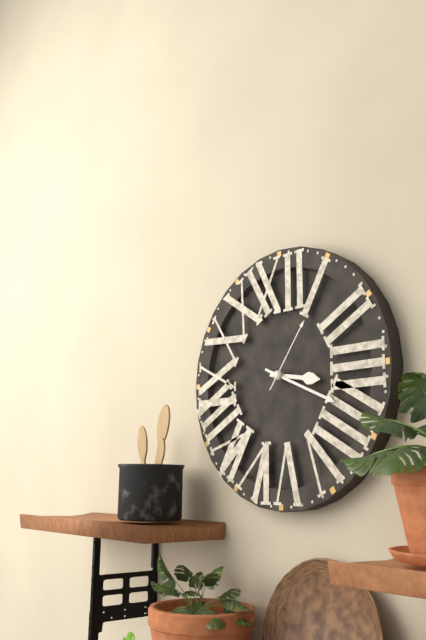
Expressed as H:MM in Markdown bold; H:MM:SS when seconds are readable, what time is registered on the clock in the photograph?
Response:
**3:19:06**
